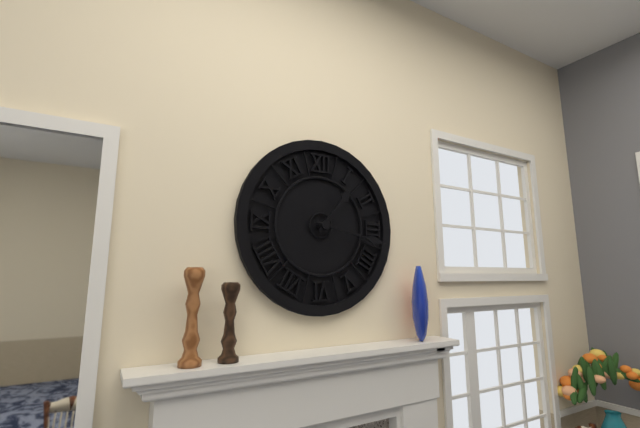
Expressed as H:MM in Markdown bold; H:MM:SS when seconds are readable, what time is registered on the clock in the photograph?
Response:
**1:17**
